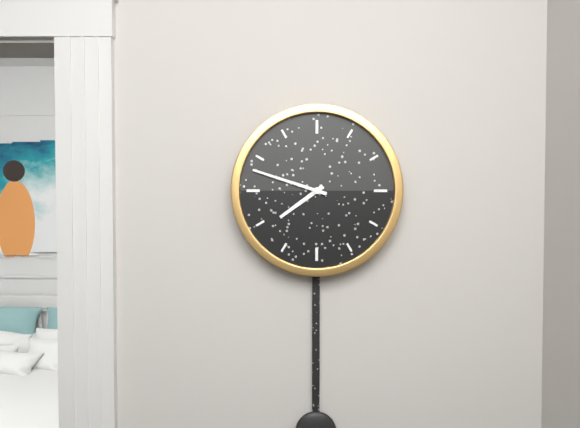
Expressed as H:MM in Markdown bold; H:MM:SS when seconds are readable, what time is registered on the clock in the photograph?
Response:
**7:48**
